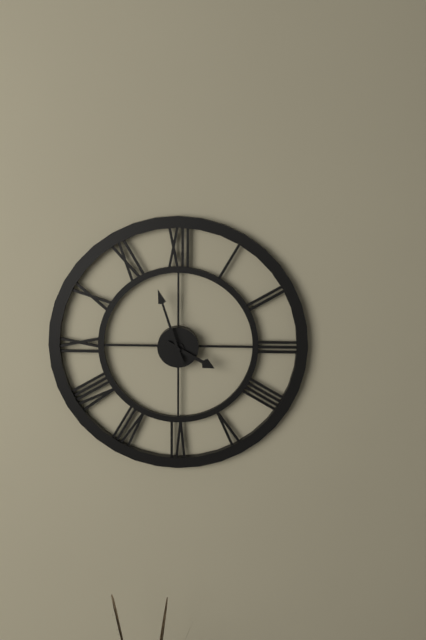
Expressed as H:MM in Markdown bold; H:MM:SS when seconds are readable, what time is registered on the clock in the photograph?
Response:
**3:57**
